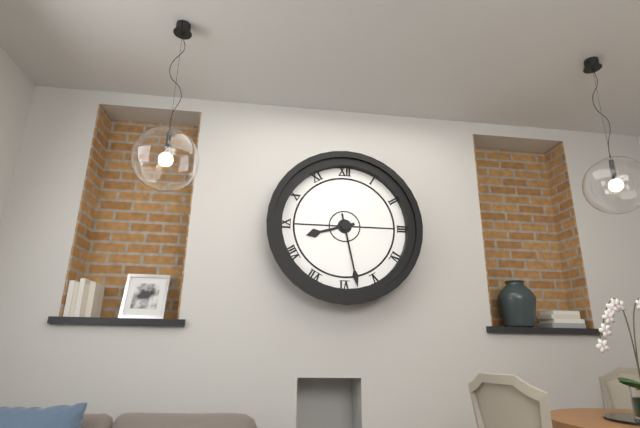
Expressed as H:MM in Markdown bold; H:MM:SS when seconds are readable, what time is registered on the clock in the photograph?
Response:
**8:28**
